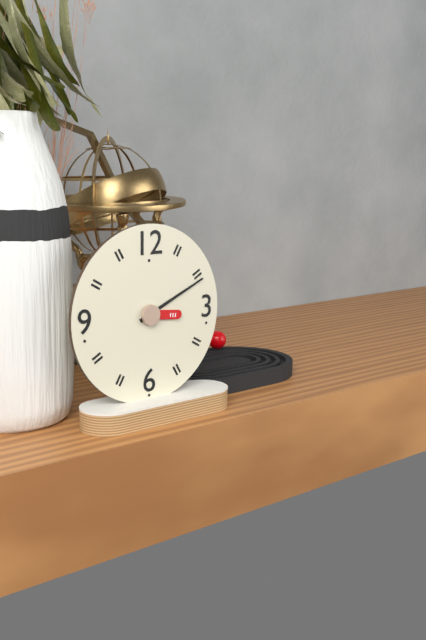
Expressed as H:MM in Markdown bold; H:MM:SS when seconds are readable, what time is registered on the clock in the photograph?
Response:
**3:11**
